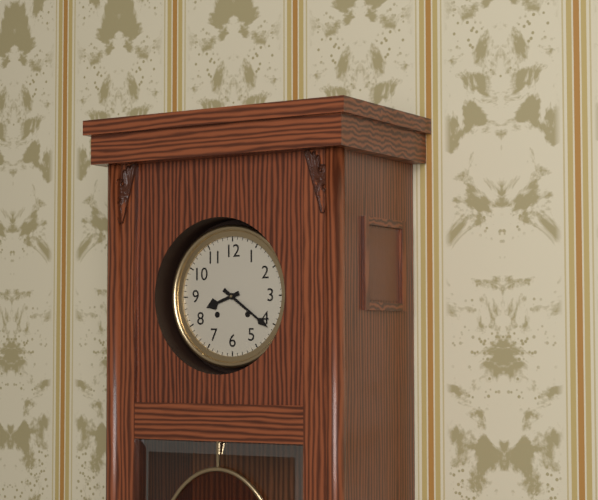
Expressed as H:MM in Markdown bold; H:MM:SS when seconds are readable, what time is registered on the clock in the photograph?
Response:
**8:21**
